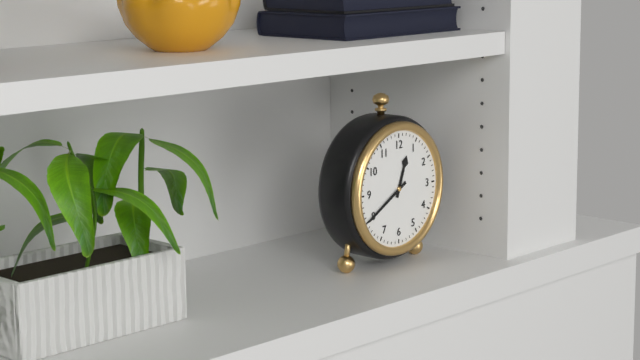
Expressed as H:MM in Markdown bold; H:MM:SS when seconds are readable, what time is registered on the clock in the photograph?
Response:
**12:40**
